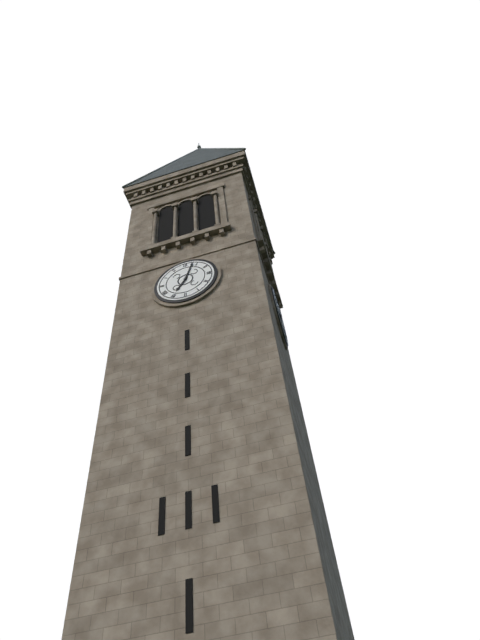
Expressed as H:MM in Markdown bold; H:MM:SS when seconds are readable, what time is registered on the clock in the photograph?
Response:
**7:03**
